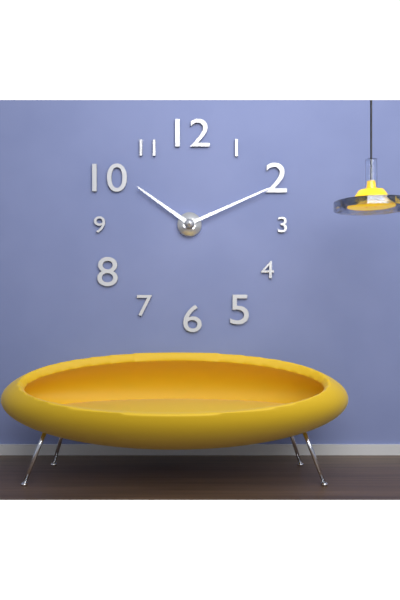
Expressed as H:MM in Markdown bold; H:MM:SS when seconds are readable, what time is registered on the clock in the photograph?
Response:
**10:11**
